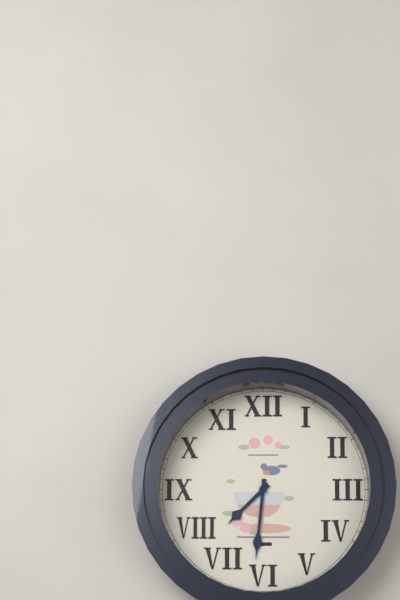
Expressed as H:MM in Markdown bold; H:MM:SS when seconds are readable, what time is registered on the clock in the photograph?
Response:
**7:31**
